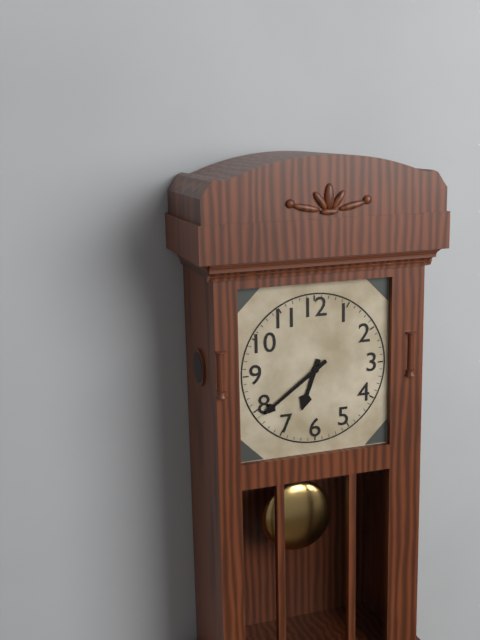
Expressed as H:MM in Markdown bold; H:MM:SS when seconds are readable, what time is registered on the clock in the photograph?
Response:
**6:39**
